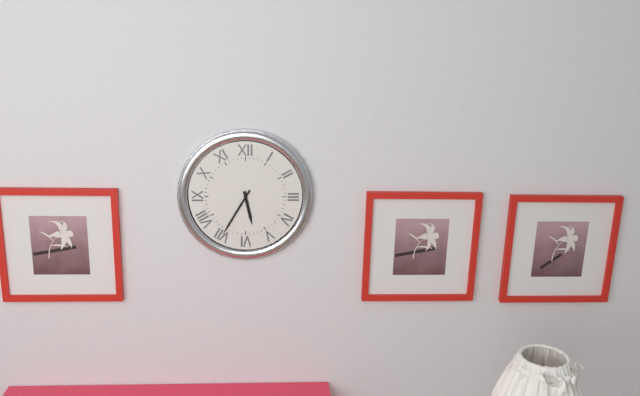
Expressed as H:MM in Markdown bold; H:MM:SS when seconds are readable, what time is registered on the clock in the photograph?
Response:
**5:35**
